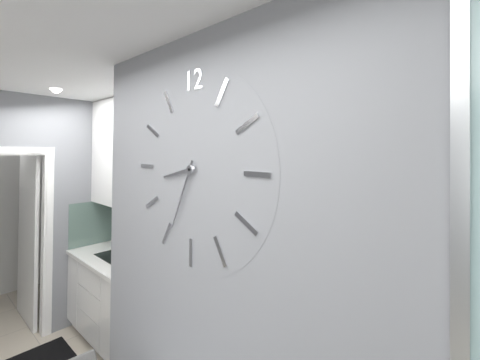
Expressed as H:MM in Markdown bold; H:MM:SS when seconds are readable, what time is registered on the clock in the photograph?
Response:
**8:34**
